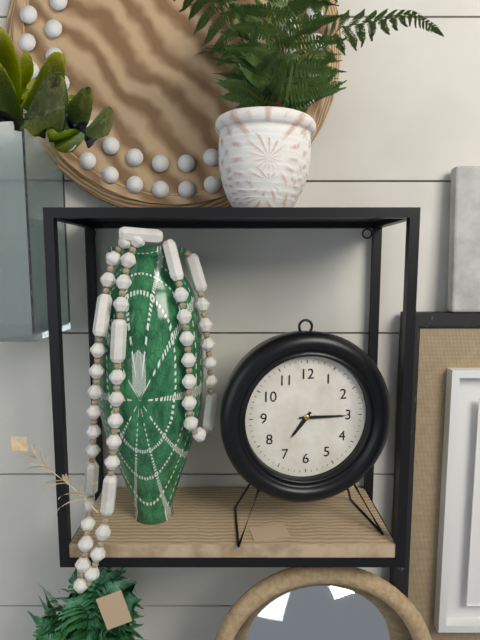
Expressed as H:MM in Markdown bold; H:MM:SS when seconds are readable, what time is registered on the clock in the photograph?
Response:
**7:15**
